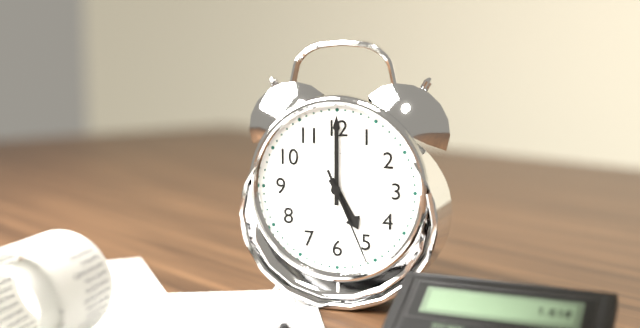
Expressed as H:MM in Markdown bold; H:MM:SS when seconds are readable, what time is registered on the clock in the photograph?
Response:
**5:00:26**
